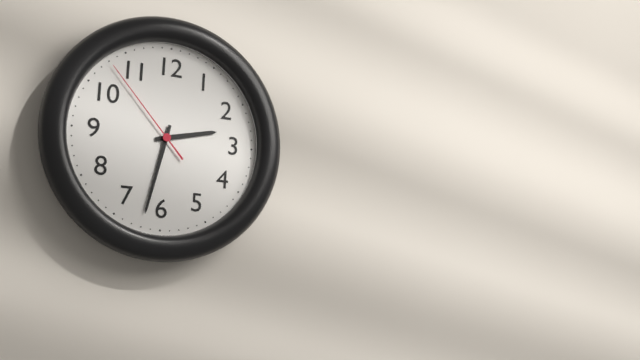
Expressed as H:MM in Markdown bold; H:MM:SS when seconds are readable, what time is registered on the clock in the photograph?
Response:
**2:32:53**
